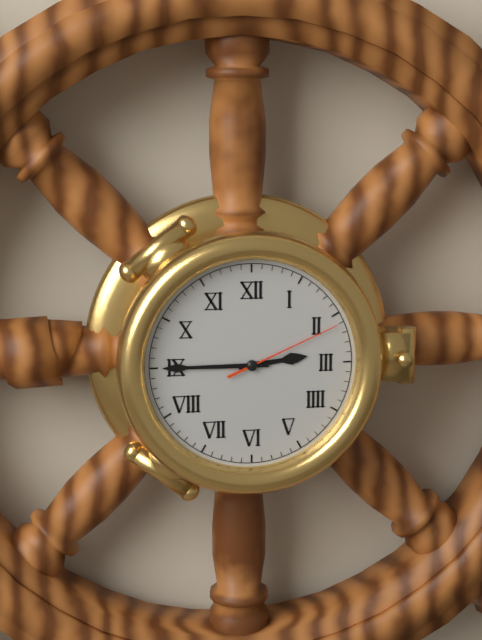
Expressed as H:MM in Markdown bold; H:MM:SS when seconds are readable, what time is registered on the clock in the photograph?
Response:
**2:45:11**
